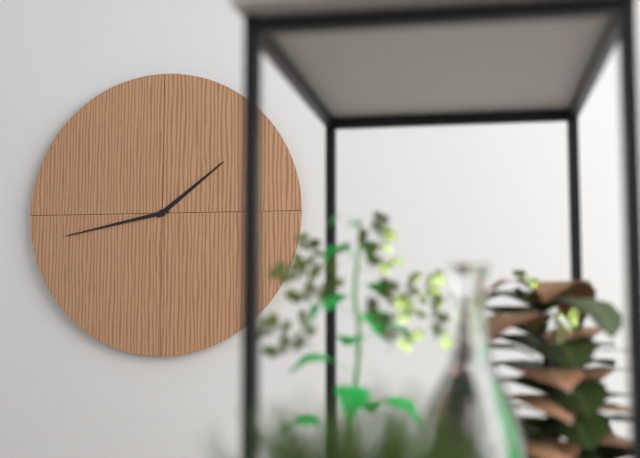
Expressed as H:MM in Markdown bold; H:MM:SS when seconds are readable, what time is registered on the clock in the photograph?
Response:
**1:43**
